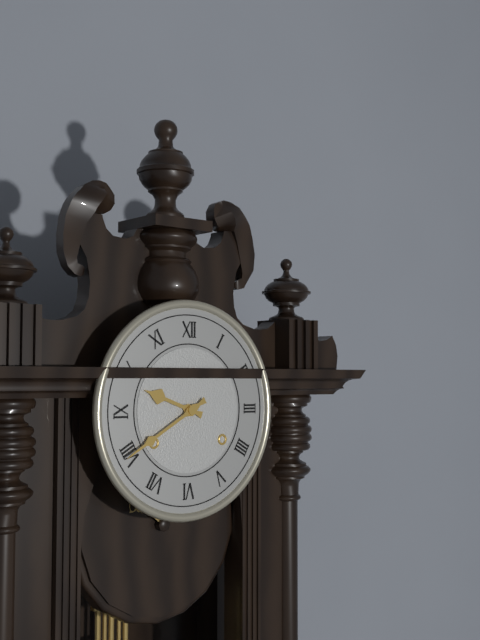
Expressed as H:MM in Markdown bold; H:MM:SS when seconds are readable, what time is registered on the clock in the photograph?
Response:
**9:40**
